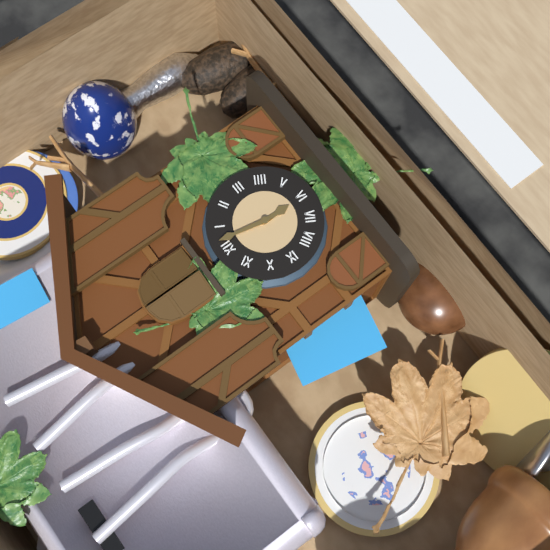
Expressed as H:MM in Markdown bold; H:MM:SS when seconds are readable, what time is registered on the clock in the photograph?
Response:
**6:02**
